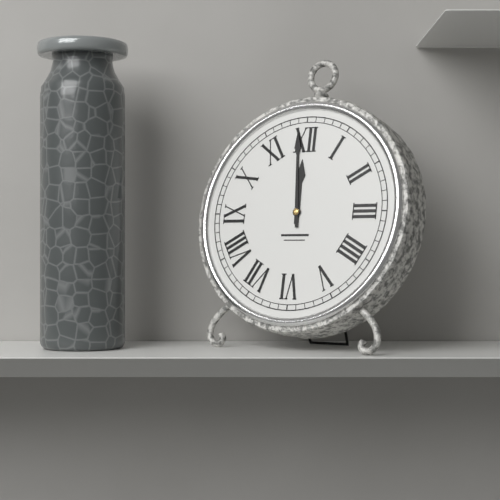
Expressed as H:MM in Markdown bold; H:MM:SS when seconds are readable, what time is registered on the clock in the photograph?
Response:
**11:59**
